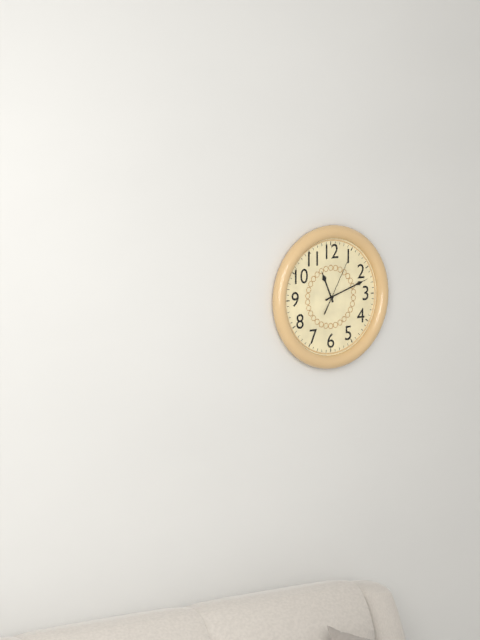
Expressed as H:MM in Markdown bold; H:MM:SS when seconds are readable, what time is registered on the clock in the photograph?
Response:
**11:12:05**
